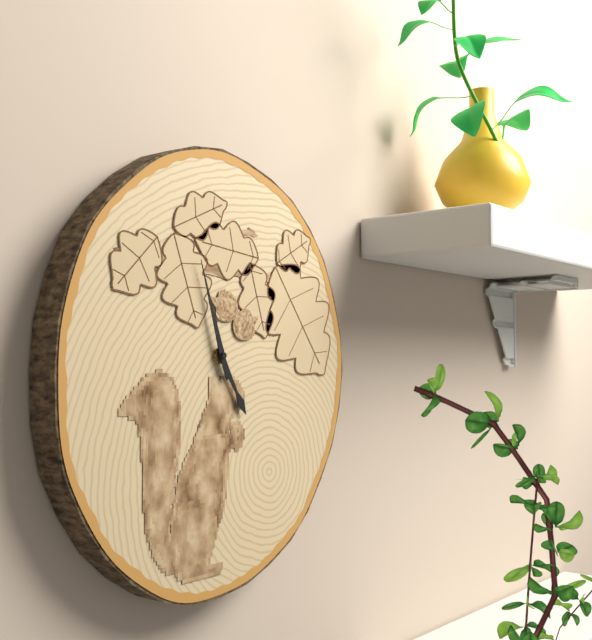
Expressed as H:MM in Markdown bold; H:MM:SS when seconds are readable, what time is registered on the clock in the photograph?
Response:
**4:57**
